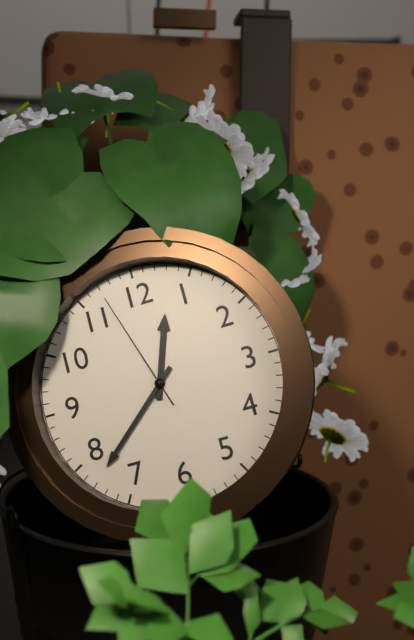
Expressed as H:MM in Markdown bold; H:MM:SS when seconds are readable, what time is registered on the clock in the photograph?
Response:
**12:38:57**
